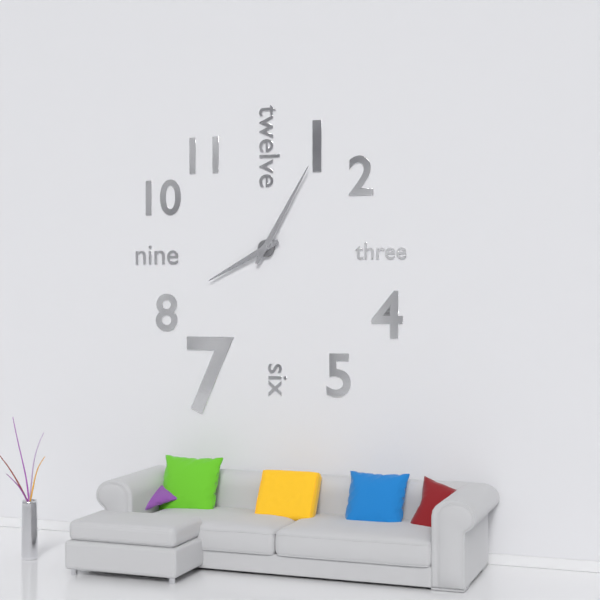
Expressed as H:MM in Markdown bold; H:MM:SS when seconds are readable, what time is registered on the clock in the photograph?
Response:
**8:05**
